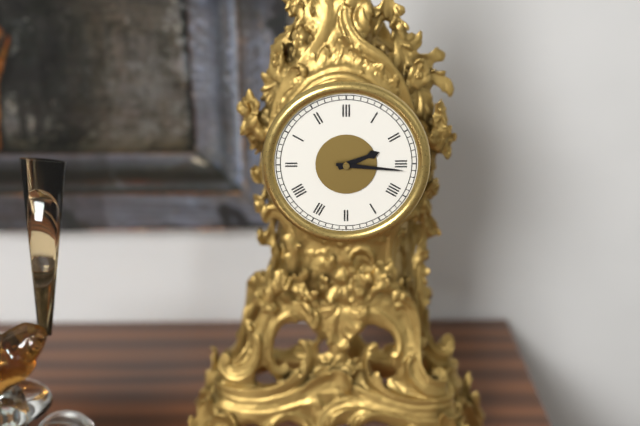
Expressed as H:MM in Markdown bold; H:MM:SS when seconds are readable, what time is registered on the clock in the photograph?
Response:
**2:16**
